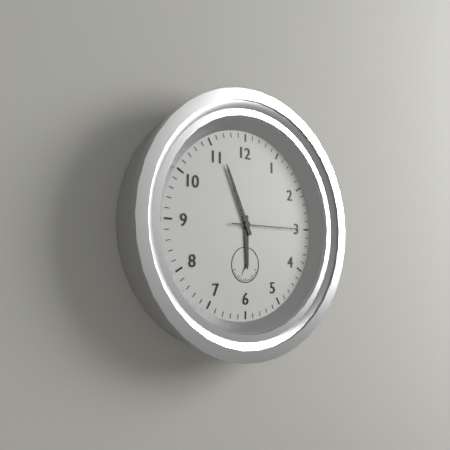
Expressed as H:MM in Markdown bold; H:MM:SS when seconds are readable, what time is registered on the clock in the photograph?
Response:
**5:56:15**
